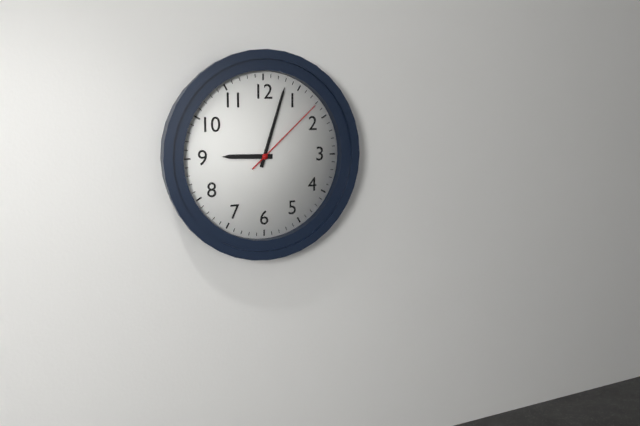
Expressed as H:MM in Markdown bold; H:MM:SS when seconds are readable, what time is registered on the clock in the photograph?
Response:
**9:03:08**
